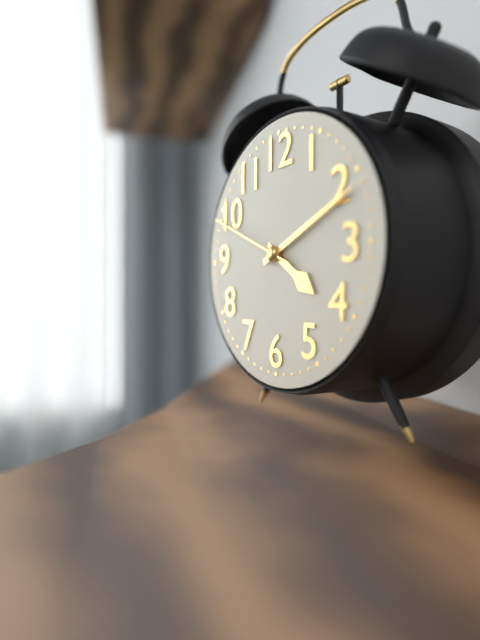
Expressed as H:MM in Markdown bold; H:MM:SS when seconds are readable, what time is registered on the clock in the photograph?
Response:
**4:11:49**
